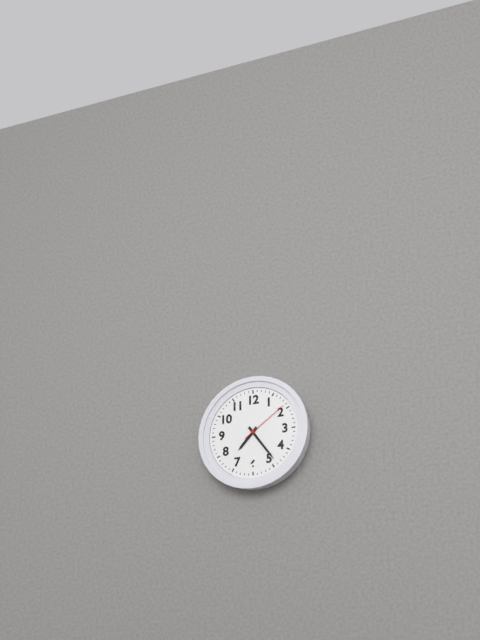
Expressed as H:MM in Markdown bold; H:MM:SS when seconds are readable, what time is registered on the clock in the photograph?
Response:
**7:24:09**
